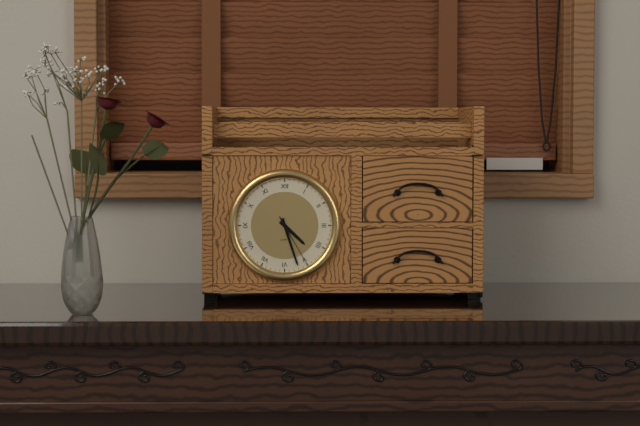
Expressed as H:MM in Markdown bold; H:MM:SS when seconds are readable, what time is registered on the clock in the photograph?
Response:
**4:27:25**
